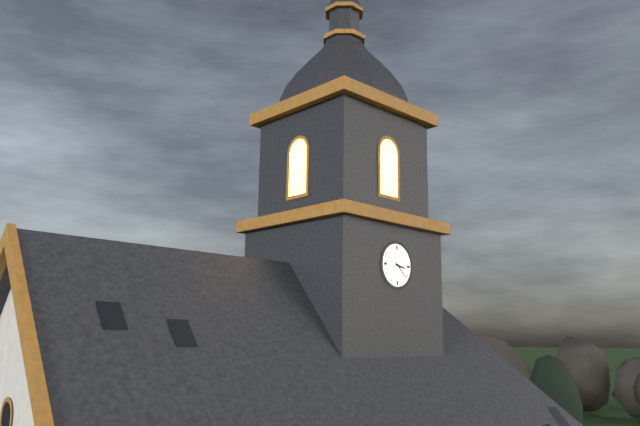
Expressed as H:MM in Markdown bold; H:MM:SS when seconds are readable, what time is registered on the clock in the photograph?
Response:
**3:22**
